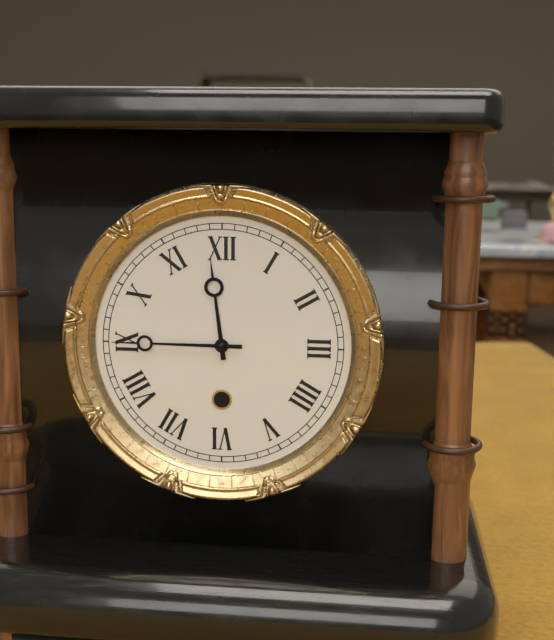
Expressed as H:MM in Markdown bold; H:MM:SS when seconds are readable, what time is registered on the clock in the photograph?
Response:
**11:45**
